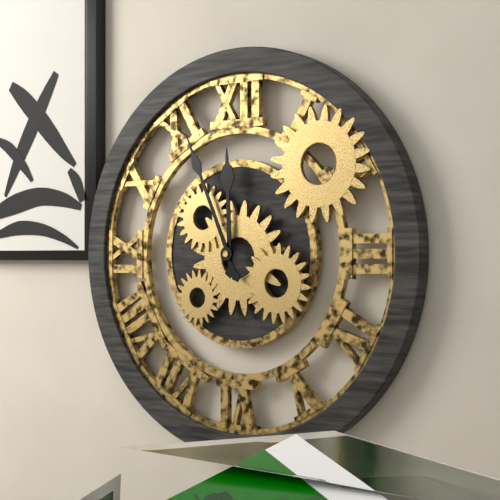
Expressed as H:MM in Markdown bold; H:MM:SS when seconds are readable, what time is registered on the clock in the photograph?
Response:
**11:56**
